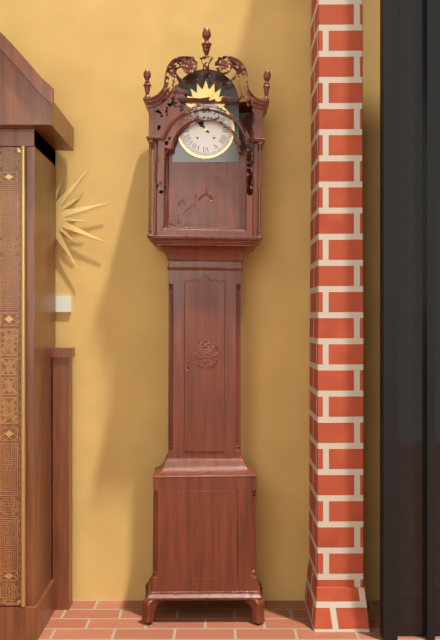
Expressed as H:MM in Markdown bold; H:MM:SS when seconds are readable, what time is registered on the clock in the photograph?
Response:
**10:52**
